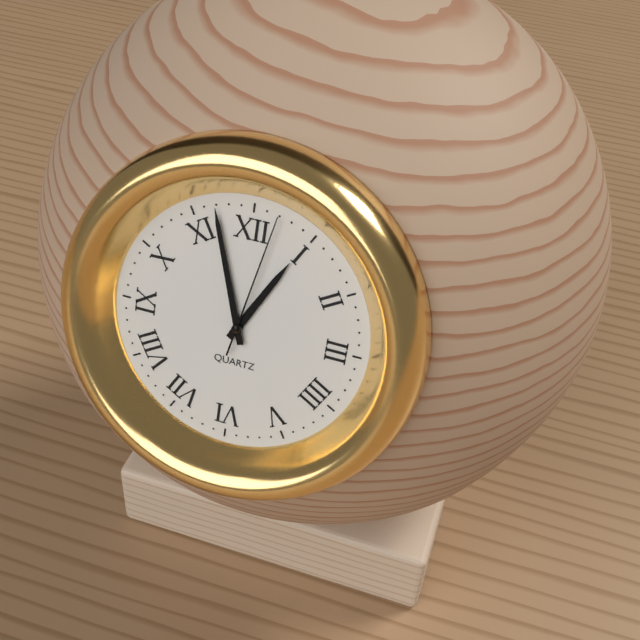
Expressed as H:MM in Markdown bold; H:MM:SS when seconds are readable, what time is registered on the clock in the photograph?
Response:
**12:57:02**
